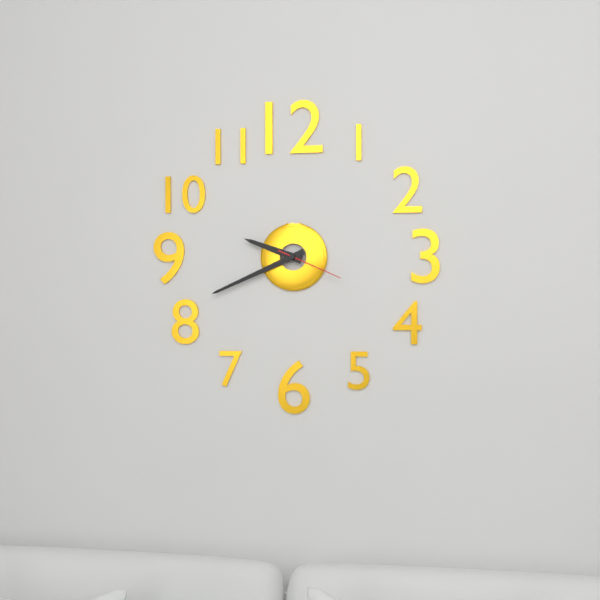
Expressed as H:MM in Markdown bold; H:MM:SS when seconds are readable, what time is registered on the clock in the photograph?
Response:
**9:41:19**
